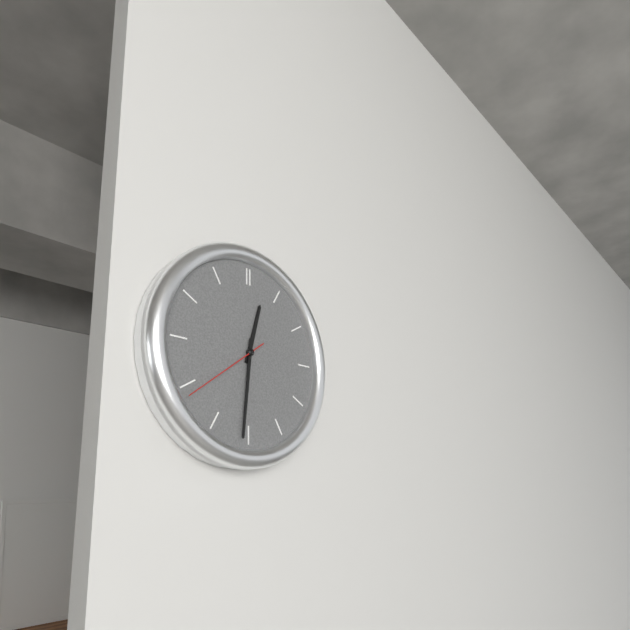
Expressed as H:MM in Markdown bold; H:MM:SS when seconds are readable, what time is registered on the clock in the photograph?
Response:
**12:31:39**
